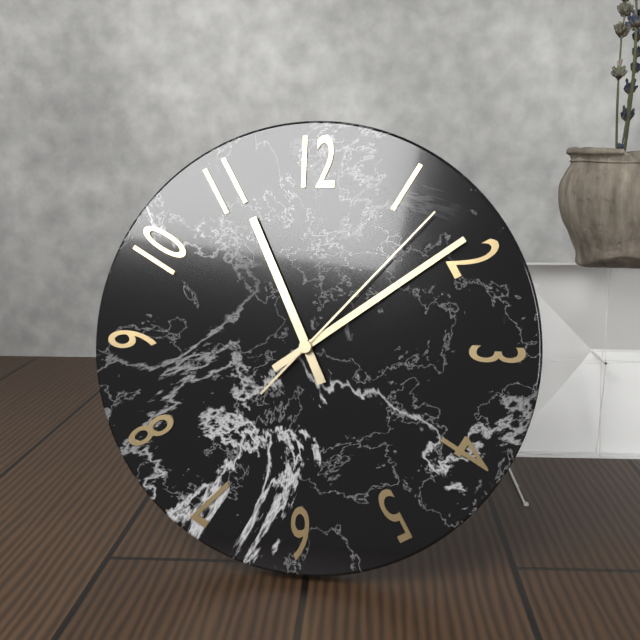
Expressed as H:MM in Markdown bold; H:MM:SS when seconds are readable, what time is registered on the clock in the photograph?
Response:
**11:09:07**
